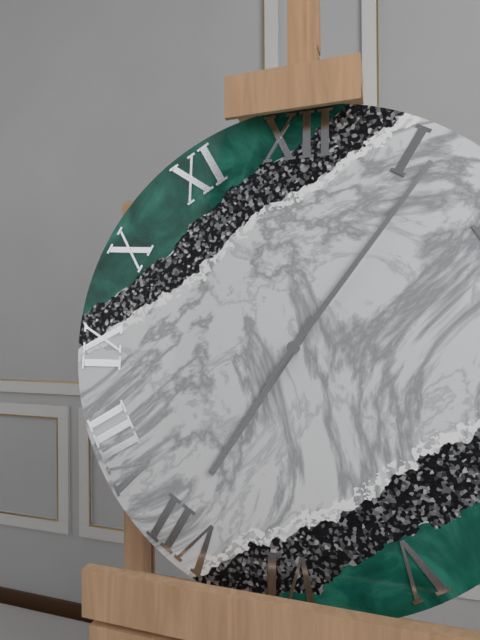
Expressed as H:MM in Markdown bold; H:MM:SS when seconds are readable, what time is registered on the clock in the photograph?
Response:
**7:06**
